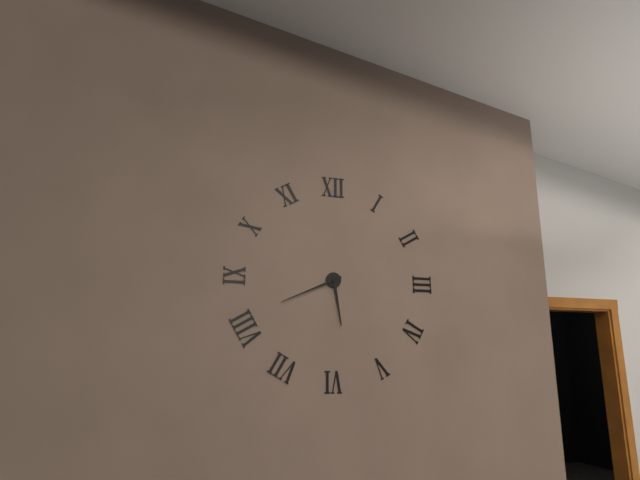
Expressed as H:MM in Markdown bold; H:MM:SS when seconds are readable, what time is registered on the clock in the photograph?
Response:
**5:41**
